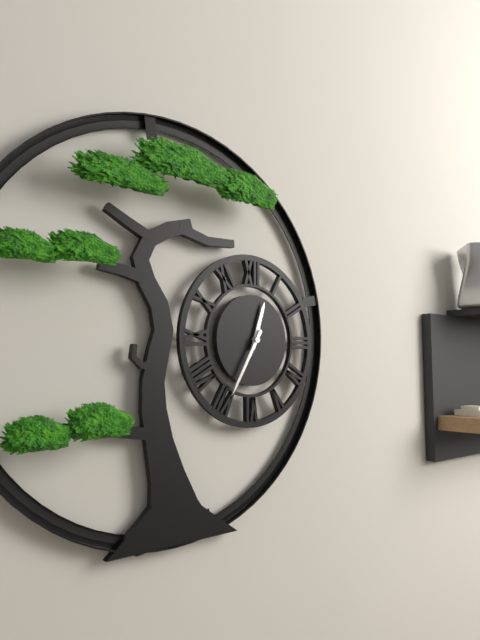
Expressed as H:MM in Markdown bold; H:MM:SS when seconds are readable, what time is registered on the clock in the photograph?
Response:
**12:35**
